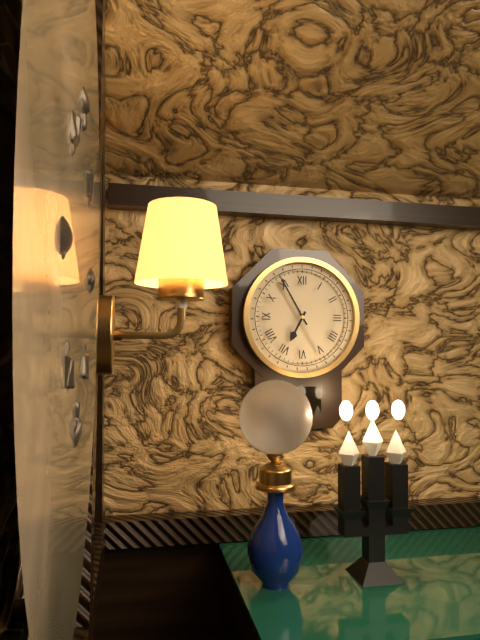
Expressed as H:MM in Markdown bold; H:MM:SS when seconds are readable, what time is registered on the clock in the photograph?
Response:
**6:55**
